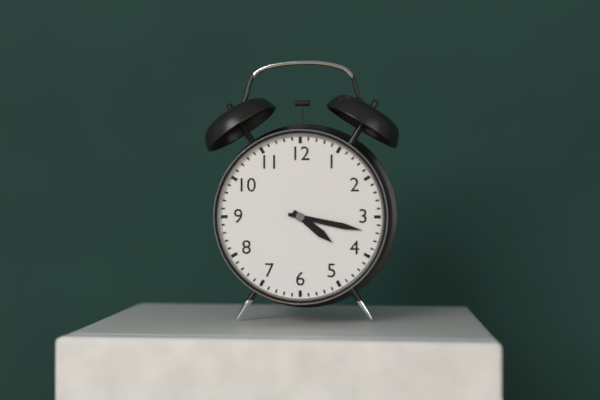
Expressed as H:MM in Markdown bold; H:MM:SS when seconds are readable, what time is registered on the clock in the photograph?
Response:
**4:17**
